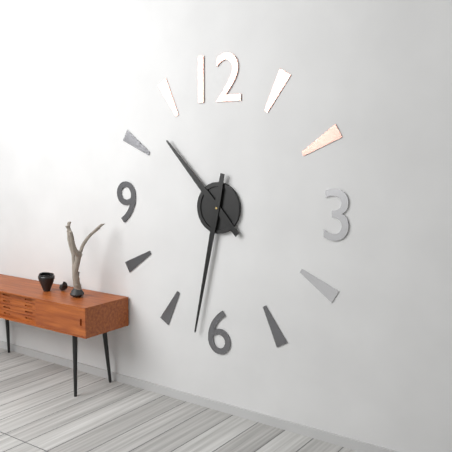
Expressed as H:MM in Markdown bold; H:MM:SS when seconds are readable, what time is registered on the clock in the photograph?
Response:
**10:32**
